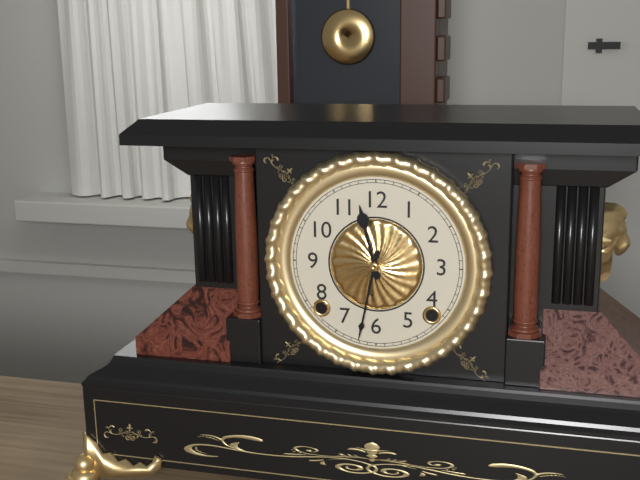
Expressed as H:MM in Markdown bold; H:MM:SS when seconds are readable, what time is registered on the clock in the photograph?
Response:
**11:32**
